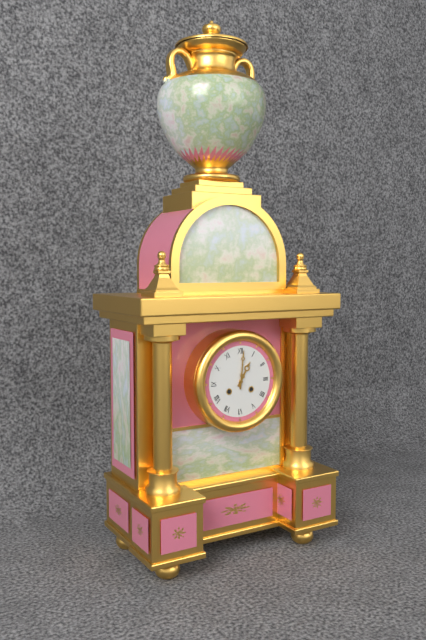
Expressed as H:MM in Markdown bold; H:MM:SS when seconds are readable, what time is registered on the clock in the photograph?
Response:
**1:01**
